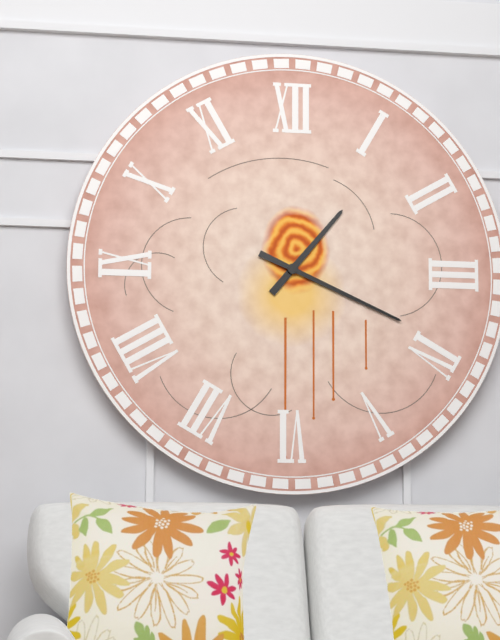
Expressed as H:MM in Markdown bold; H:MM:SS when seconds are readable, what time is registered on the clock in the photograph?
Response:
**1:19**
